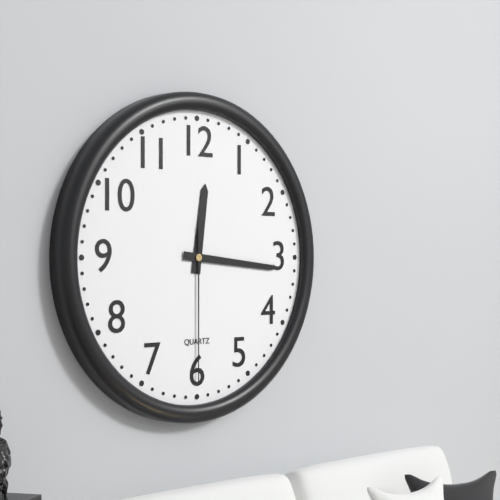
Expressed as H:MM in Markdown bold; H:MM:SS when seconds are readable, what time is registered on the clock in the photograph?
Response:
**12:16:30**
